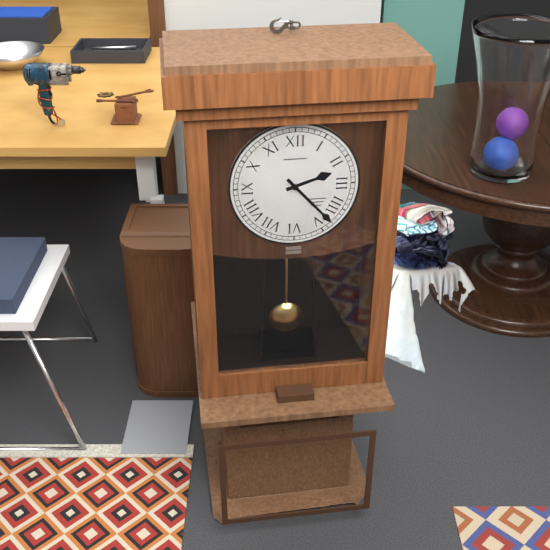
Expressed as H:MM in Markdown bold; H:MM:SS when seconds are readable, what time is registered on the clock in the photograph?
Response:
**2:23**
